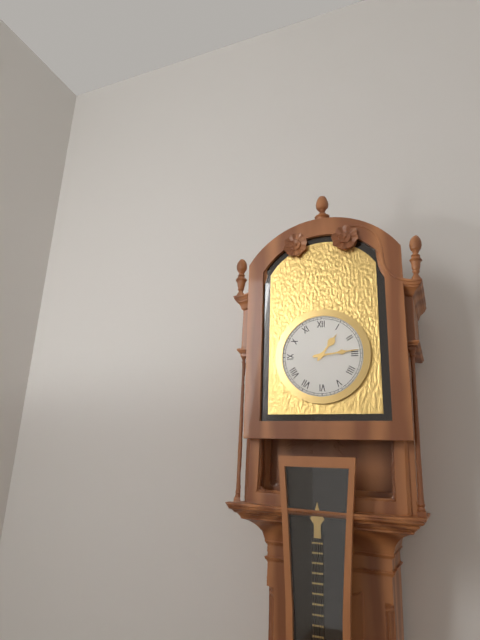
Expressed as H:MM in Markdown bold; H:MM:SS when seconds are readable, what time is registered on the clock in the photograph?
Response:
**1:14**
